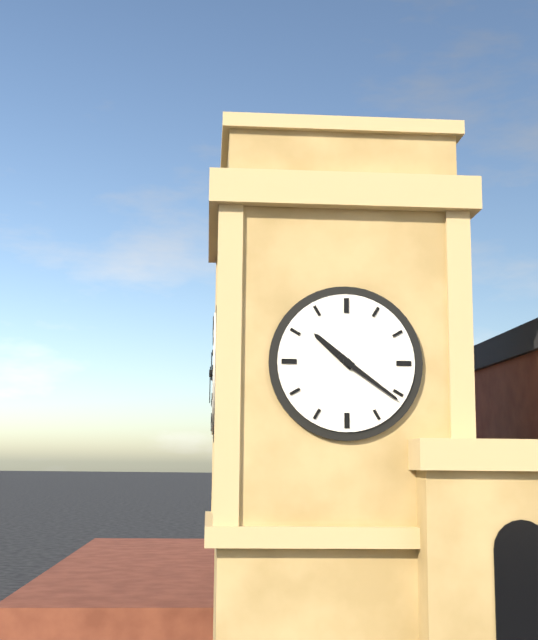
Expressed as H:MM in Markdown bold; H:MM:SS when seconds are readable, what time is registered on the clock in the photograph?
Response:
**10:21**
